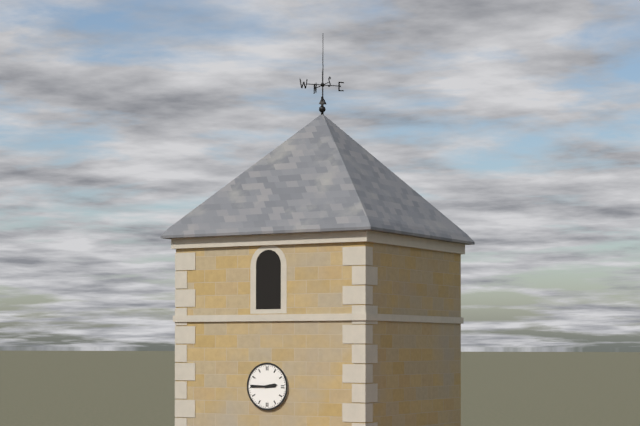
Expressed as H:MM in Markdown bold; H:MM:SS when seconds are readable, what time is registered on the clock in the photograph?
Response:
**2:45**
